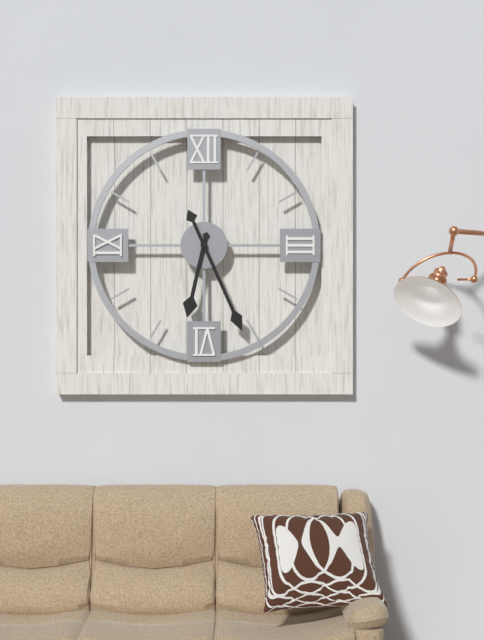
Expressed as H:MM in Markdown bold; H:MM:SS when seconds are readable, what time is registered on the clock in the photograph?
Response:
**6:26**
